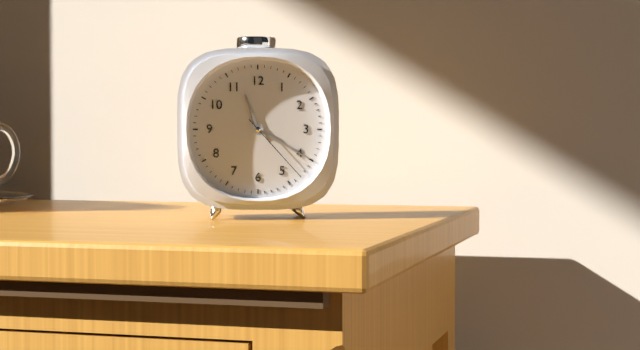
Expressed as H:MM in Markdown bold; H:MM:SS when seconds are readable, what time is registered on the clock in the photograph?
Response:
**11:20:23**
